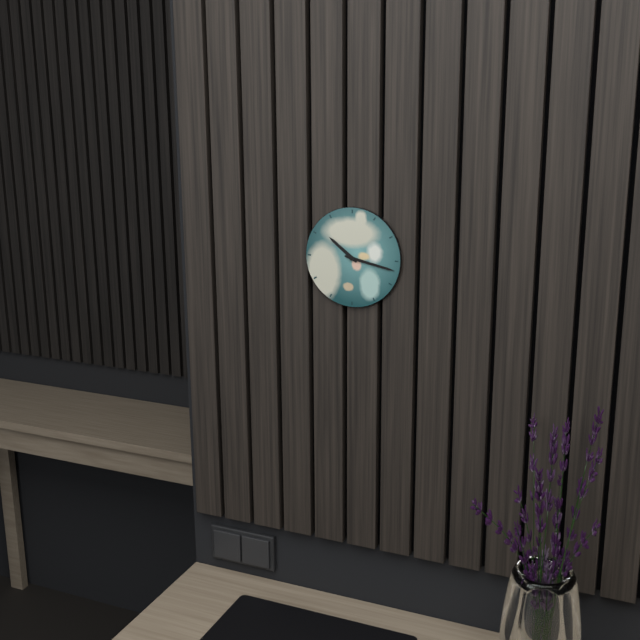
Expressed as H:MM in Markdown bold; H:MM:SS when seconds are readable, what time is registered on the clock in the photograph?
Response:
**10:17**
